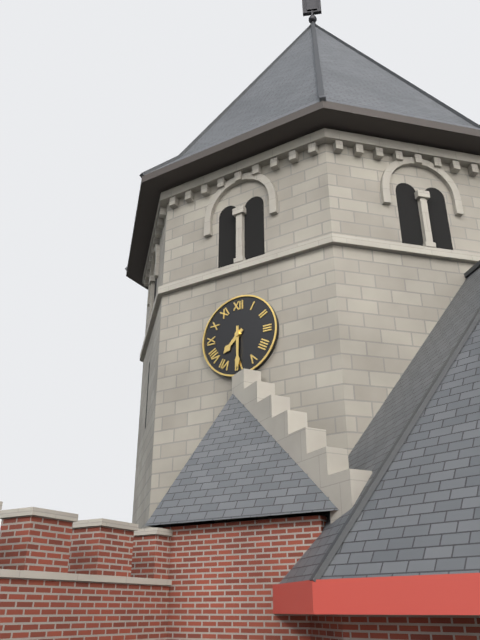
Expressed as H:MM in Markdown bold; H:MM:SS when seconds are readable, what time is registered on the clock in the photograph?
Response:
**7:30**
